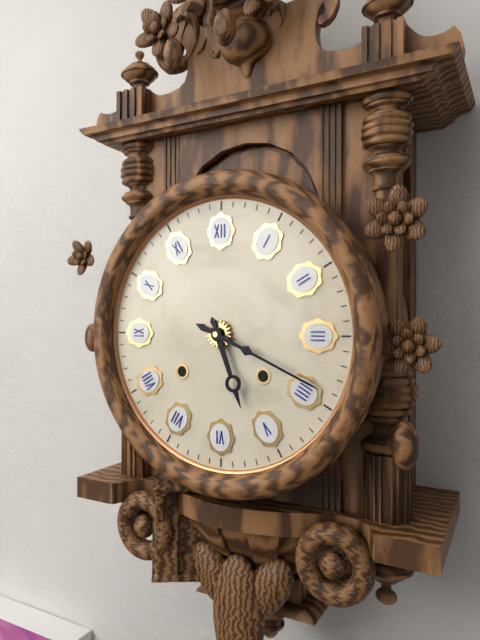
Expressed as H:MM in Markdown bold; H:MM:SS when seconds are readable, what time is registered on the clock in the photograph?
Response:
**5:19**
